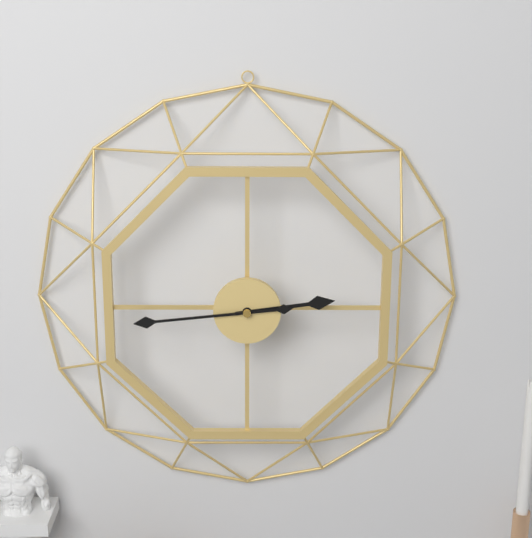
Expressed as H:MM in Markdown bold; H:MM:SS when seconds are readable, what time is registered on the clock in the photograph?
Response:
**2:44**
